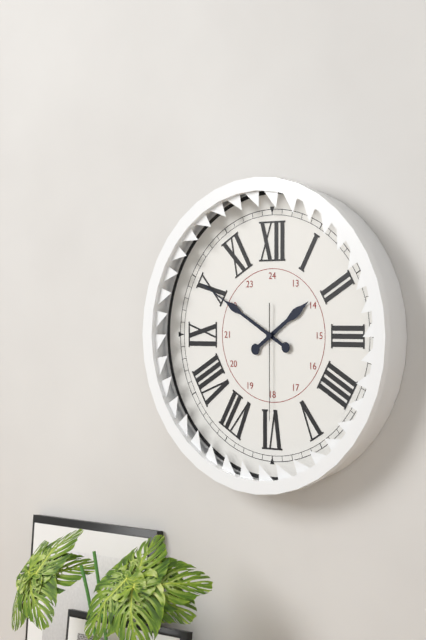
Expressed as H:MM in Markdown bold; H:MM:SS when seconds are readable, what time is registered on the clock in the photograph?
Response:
**1:50:30**
